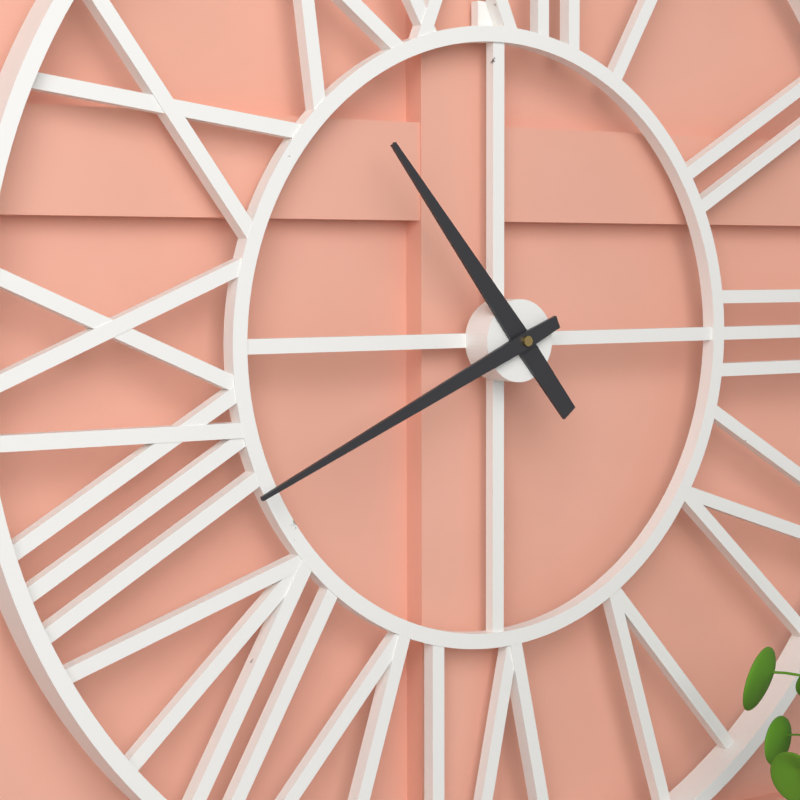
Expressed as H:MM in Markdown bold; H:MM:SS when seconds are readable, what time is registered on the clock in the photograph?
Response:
**10:41**
